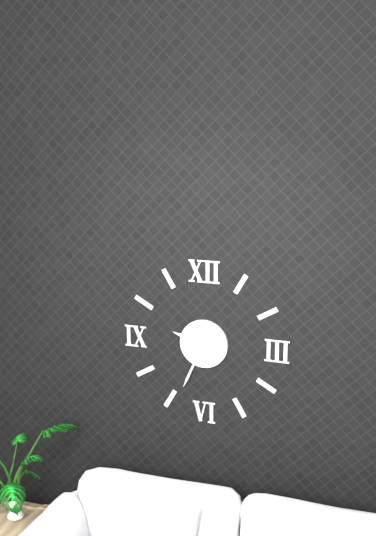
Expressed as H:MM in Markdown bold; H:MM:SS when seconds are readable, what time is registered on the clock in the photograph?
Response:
**9:34**
